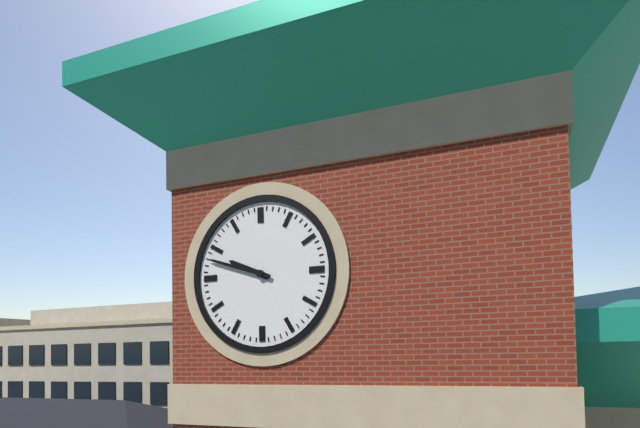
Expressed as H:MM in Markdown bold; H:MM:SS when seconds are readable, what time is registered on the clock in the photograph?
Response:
**9:48**
